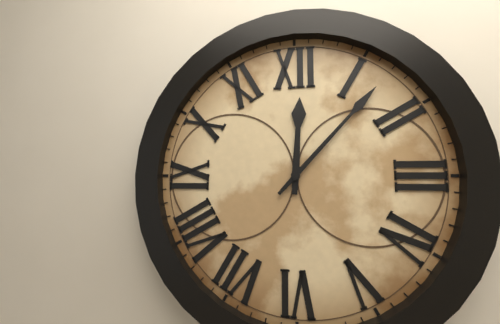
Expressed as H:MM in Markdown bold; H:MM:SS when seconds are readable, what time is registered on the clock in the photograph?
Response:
**12:07**
